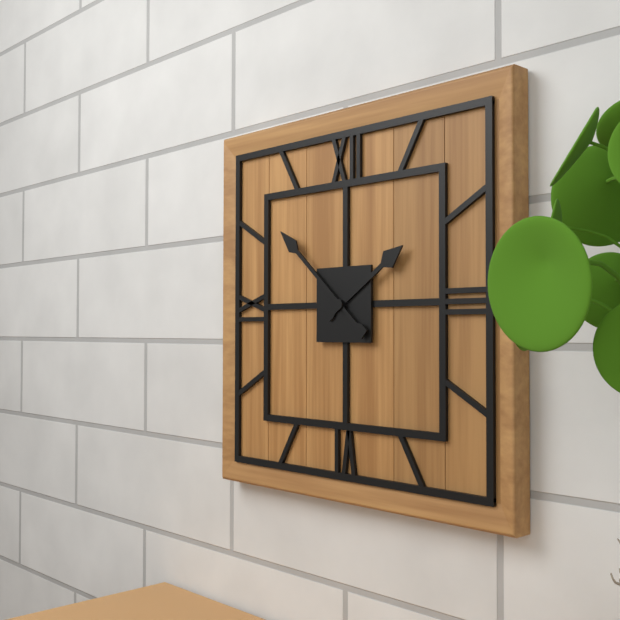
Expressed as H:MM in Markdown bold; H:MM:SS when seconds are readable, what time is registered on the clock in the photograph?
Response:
**1:52**
